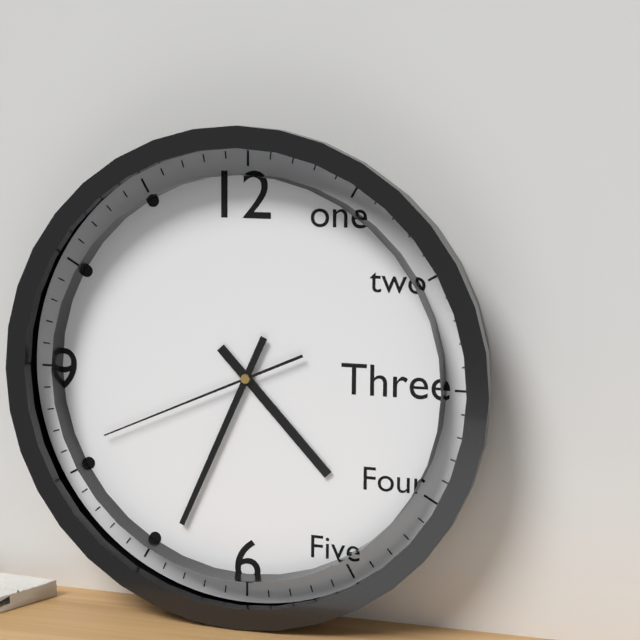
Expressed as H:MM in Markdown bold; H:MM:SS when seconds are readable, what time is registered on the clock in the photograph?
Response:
**4:34:41**
